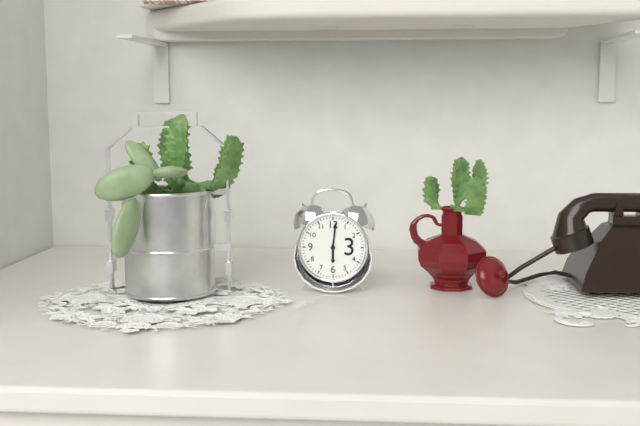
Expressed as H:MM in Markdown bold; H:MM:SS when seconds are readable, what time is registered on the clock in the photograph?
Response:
**6:01**
